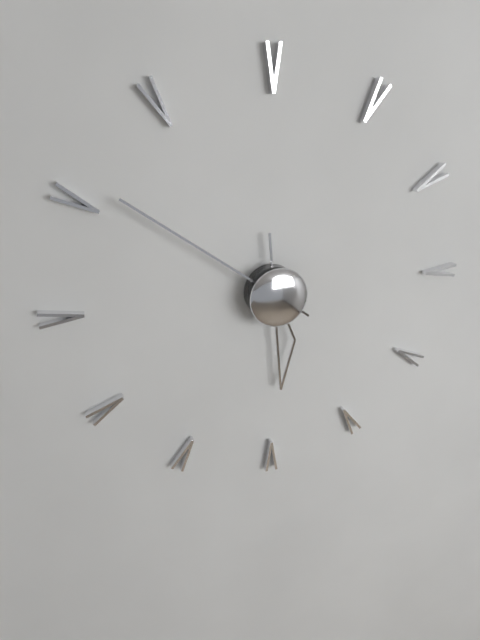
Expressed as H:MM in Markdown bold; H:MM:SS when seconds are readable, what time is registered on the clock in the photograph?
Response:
**5:51**
